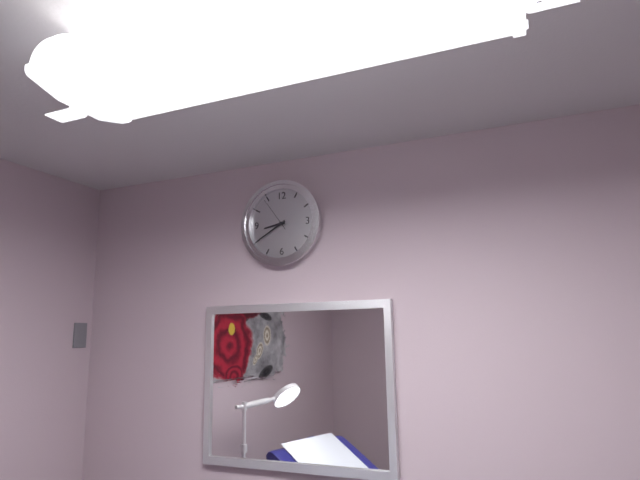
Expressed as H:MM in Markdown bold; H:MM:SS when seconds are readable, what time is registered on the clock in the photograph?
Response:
**8:40**
